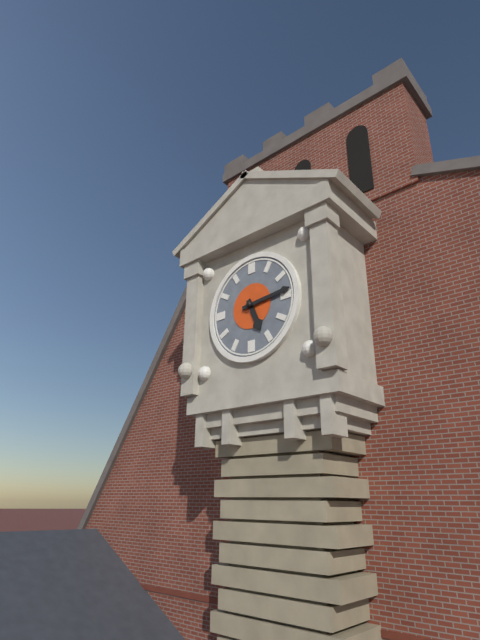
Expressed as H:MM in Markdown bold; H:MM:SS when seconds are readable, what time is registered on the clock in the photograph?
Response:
**5:14**
